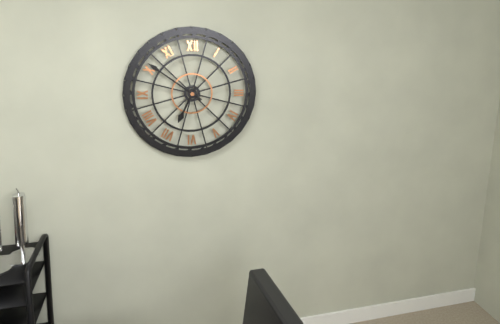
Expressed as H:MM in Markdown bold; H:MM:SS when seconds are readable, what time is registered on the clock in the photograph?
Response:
**6:51**
